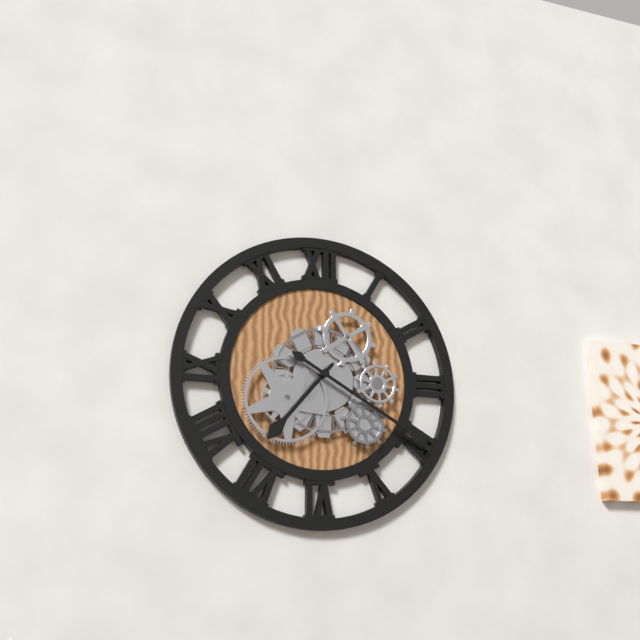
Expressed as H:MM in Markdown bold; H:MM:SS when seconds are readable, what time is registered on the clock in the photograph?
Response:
**7:20**
